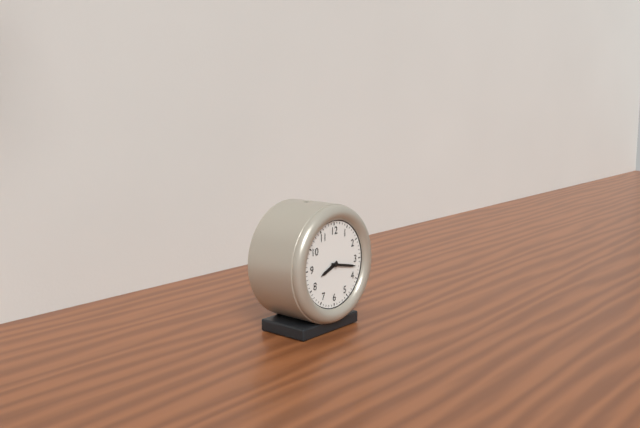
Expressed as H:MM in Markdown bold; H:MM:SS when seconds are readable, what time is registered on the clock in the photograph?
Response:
**8:17**
